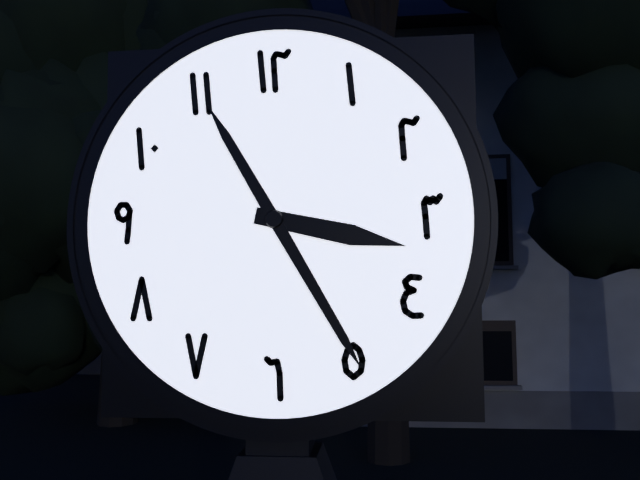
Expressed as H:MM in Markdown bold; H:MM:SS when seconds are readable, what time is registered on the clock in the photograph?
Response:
**3:25**
